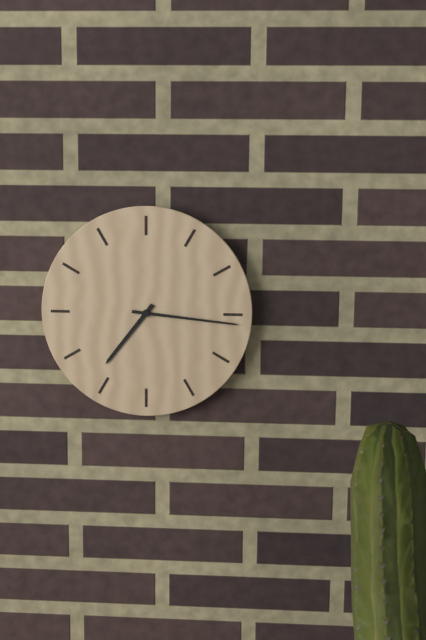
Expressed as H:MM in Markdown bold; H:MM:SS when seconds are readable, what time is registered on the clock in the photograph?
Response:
**7:16**
